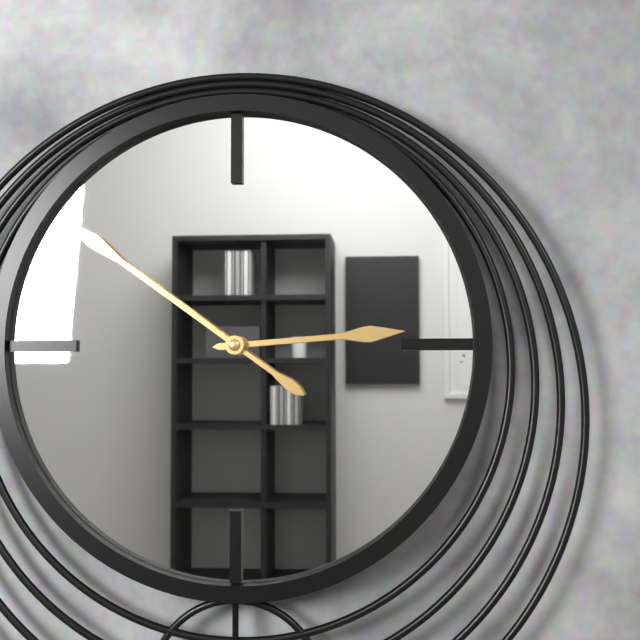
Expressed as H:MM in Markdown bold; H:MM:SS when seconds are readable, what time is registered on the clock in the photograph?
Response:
**2:51**
